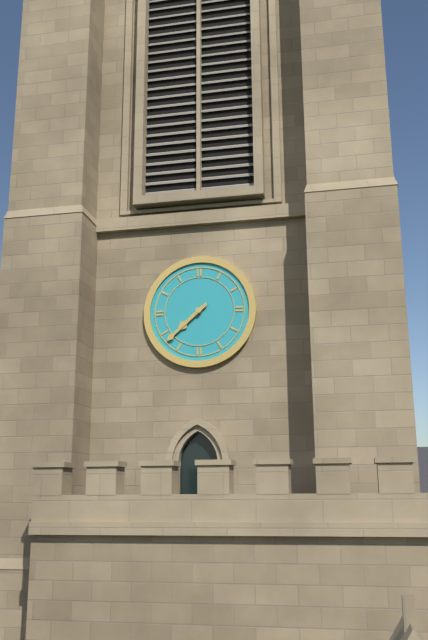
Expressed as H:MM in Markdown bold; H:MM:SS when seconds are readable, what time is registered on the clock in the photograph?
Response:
**7:38**
